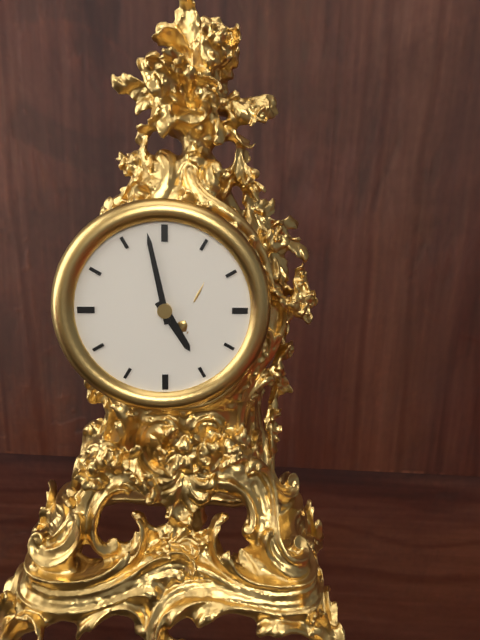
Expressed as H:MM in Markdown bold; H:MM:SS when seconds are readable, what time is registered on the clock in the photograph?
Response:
**4:58**
